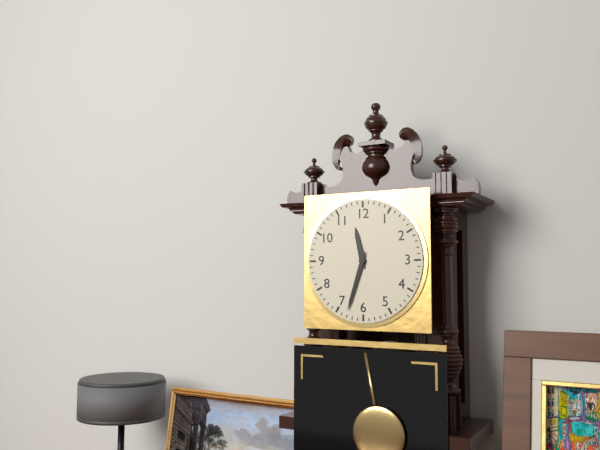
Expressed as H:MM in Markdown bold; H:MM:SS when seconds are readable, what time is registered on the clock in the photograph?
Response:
**11:33**
